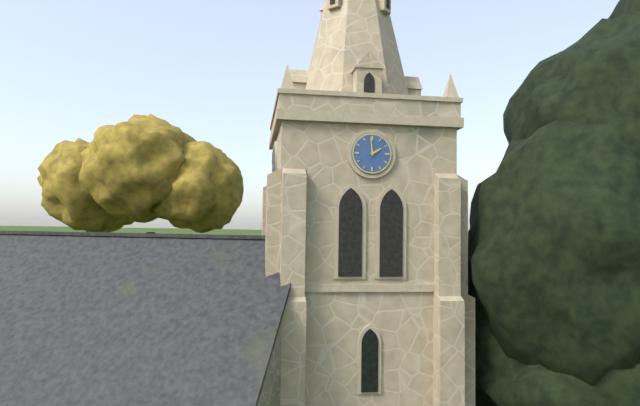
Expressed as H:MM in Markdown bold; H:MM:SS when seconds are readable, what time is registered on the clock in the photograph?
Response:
**1:59**
